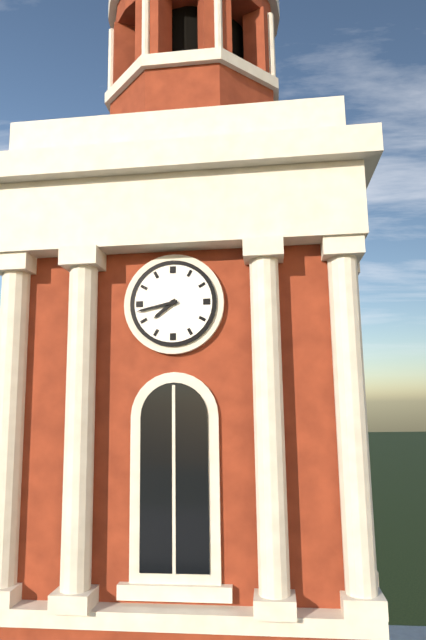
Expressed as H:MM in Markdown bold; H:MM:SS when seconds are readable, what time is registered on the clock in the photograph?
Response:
**7:43**
